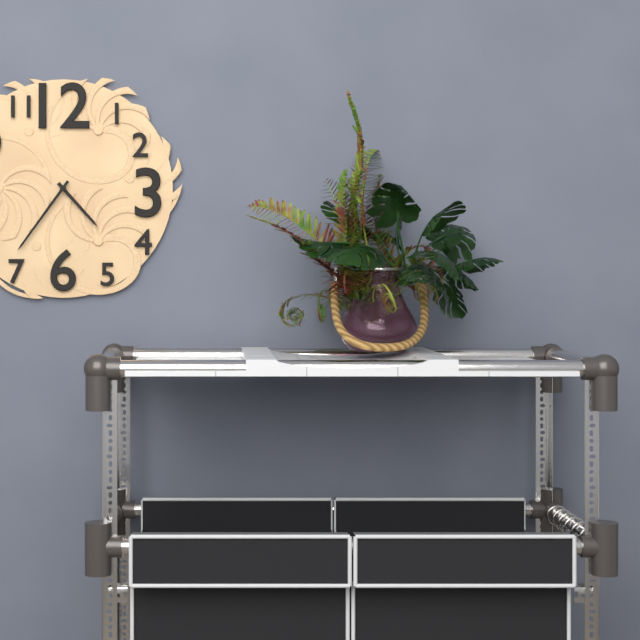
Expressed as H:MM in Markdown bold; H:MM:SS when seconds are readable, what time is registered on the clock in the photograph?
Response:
**4:36**
